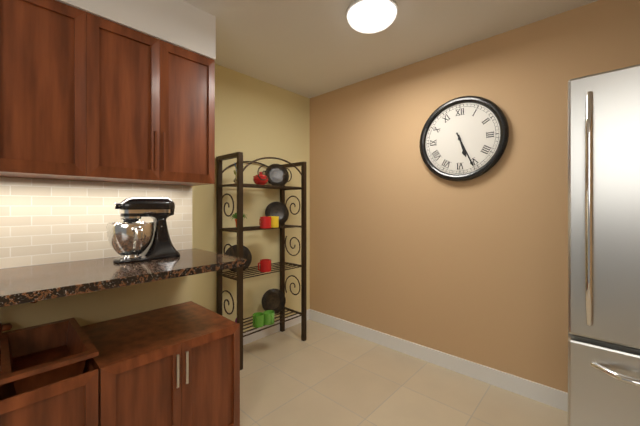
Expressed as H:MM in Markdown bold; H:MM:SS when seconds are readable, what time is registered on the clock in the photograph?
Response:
**5:26**
